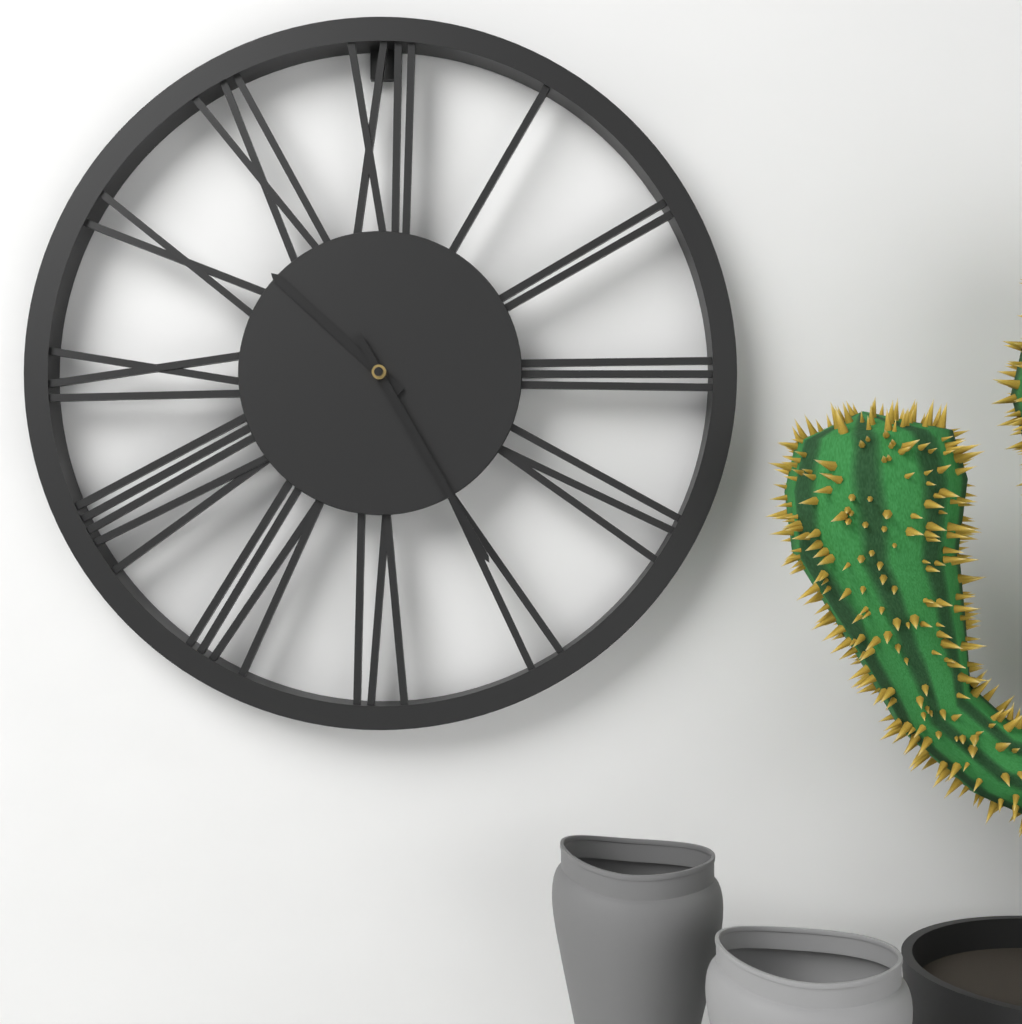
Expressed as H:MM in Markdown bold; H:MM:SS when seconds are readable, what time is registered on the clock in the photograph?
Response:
**10:25**
